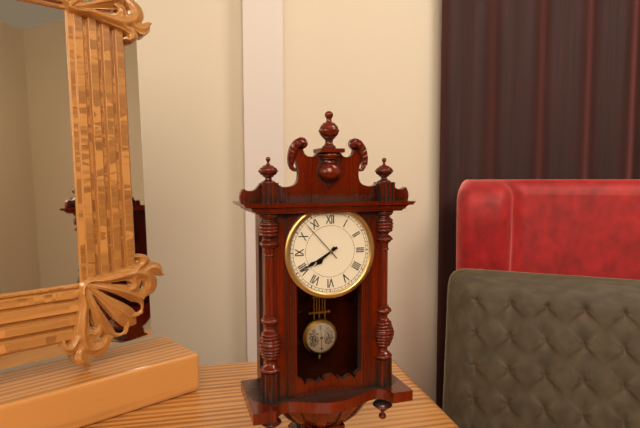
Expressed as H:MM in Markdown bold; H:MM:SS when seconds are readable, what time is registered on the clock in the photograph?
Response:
**7:40**
